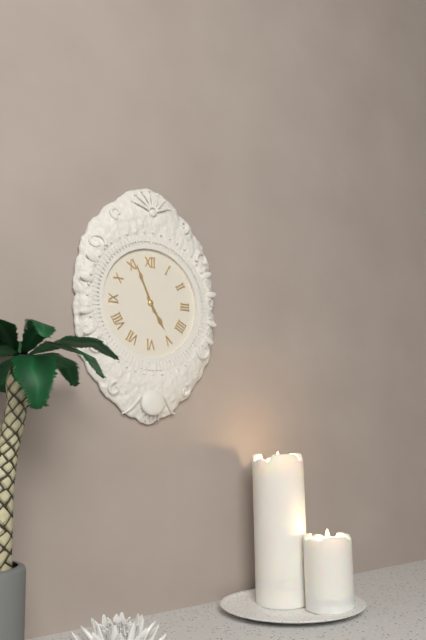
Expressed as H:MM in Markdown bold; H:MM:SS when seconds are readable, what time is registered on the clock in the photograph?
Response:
**4:56**
